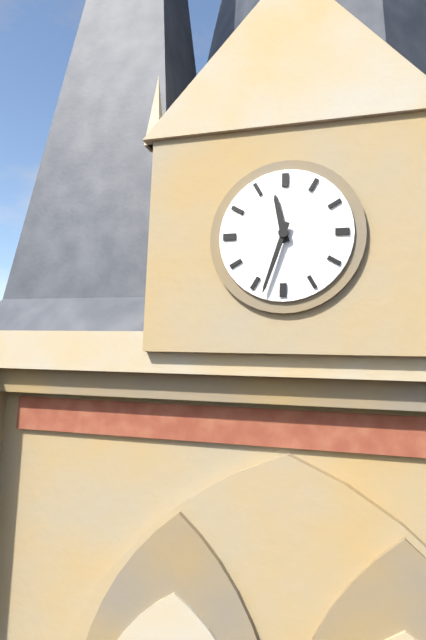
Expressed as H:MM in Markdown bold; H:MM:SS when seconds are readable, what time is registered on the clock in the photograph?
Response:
**11:33**
